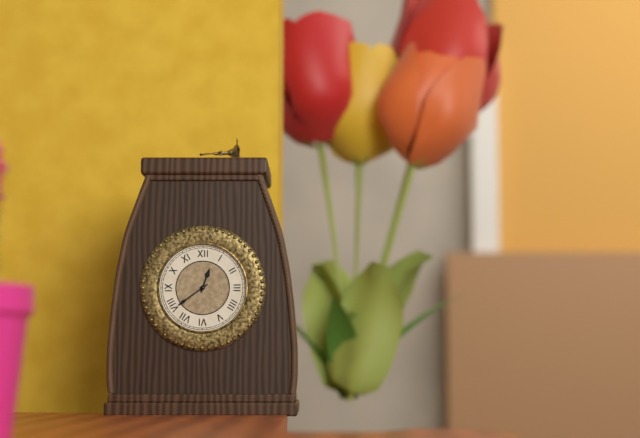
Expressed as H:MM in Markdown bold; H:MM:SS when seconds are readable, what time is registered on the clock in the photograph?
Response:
**12:39**
